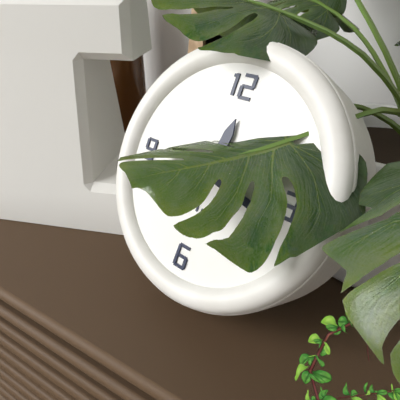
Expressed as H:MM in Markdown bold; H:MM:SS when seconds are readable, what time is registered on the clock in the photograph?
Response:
**12:17**
